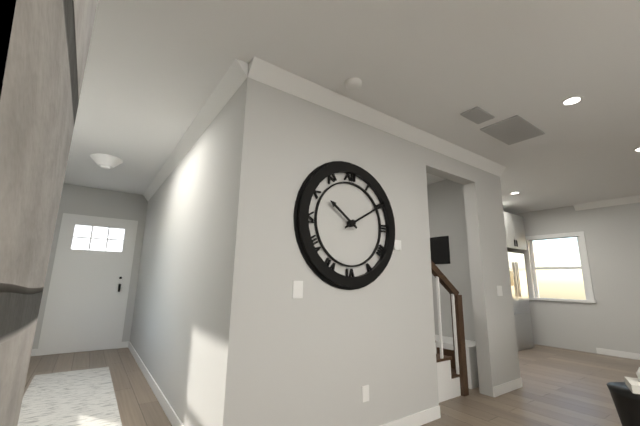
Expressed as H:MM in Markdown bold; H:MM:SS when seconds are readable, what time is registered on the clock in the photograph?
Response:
**10:10**
